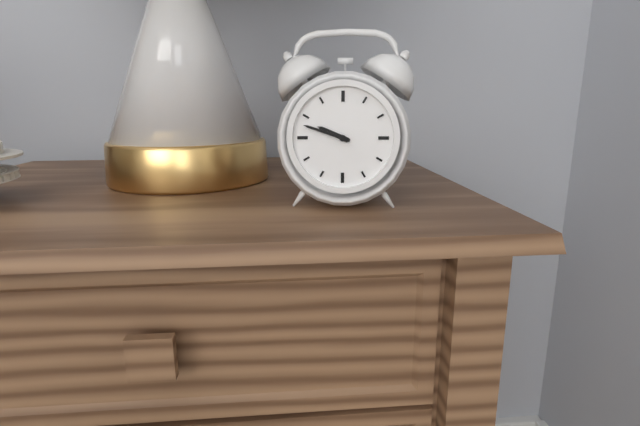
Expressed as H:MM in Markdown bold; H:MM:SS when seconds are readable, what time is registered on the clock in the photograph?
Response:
**9:48**
